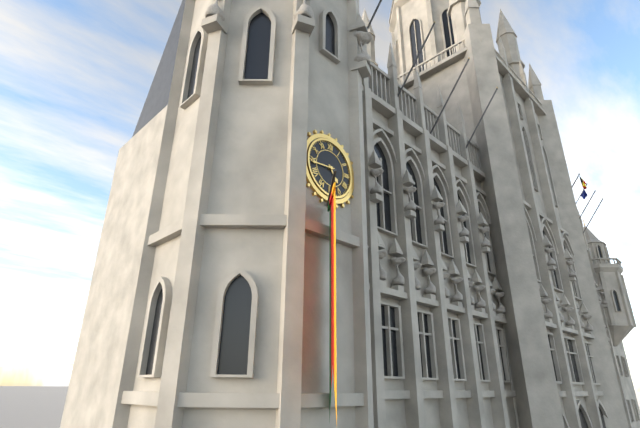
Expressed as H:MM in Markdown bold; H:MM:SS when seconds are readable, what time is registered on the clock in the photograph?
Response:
**4:44**
